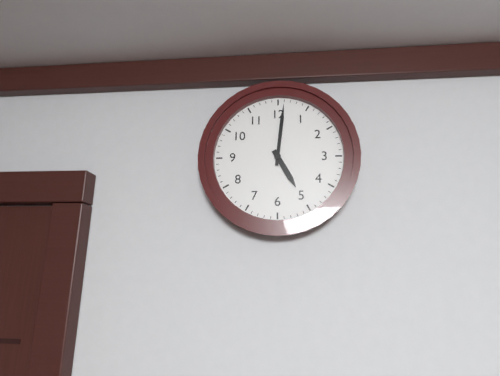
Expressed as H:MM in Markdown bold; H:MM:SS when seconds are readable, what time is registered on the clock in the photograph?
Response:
**5:01**
